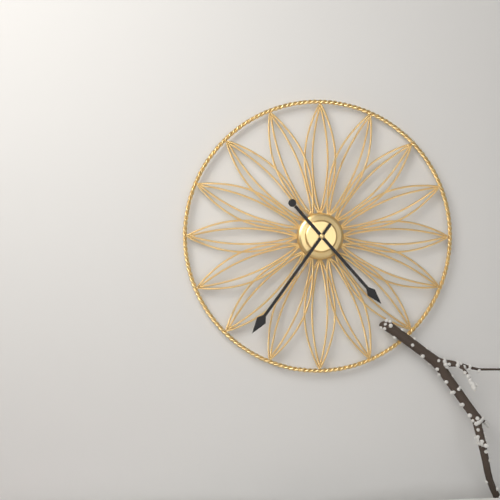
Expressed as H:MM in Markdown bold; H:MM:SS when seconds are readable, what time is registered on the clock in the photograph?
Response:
**4:36**
